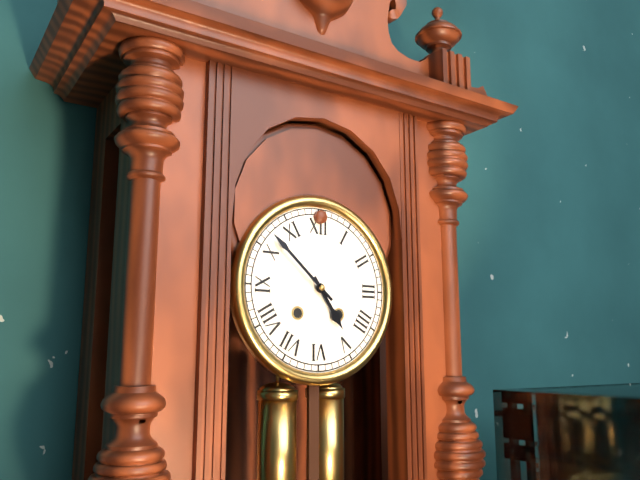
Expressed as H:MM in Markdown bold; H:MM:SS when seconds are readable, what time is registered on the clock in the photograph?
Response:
**4:52**
